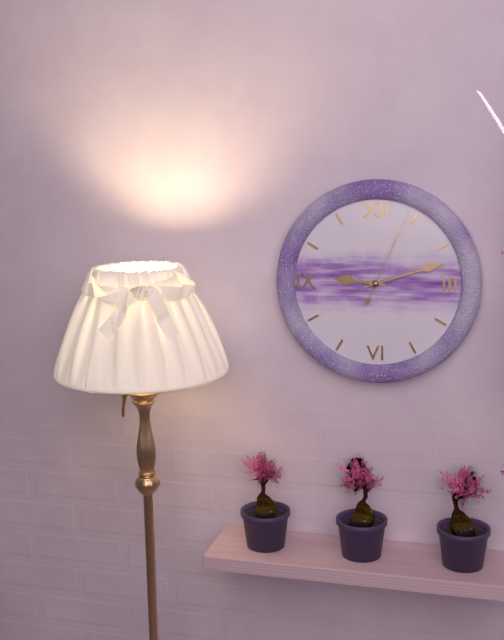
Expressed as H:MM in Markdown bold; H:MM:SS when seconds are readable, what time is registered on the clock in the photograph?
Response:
**9:12:04**
